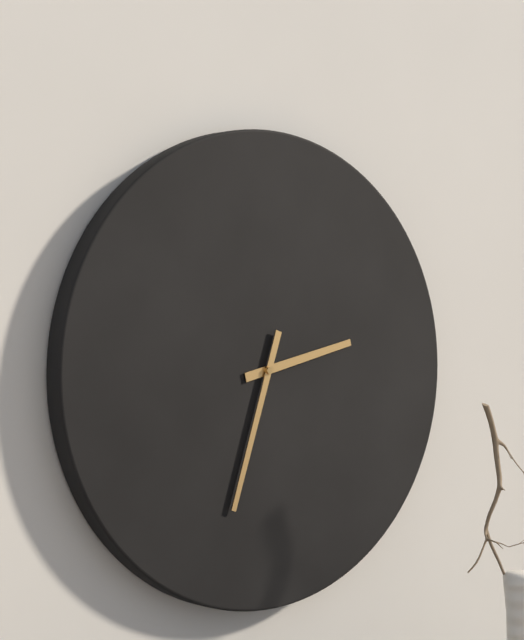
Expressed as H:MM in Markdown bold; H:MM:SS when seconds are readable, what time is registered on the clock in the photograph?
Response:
**2:33**
